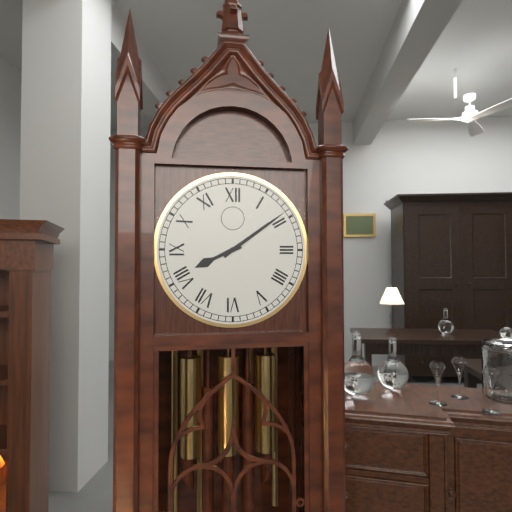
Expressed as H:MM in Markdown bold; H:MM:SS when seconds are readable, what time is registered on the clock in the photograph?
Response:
**8:09**
